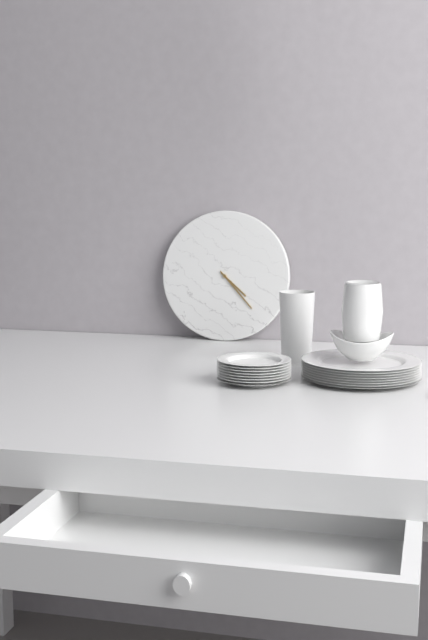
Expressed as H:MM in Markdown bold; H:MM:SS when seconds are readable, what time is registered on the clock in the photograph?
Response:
**4:23**
